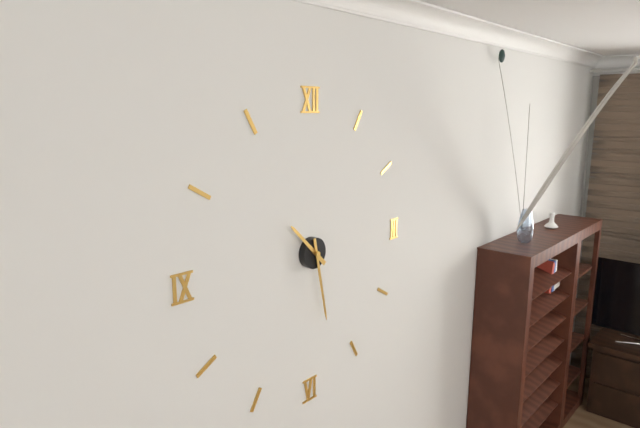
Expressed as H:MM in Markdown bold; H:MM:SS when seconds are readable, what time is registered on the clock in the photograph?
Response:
**10:28**
